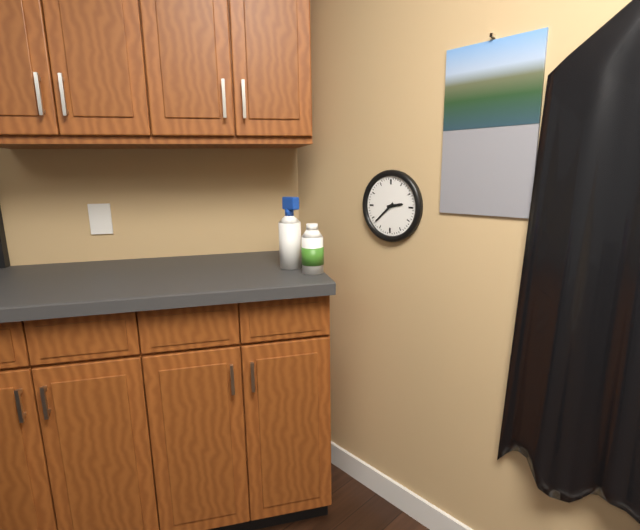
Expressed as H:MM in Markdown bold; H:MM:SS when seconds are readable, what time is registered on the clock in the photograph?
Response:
**2:38**
